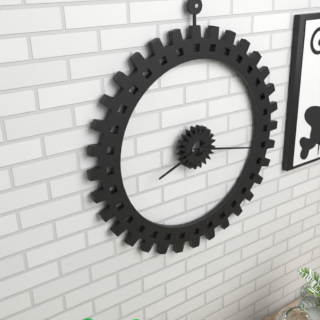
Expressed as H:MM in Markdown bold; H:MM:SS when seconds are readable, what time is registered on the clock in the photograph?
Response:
**8:17**
